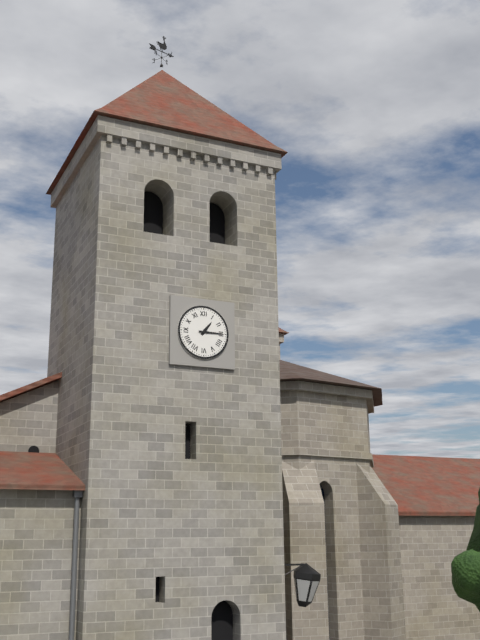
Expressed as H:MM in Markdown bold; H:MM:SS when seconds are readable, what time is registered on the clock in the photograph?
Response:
**1:15**
